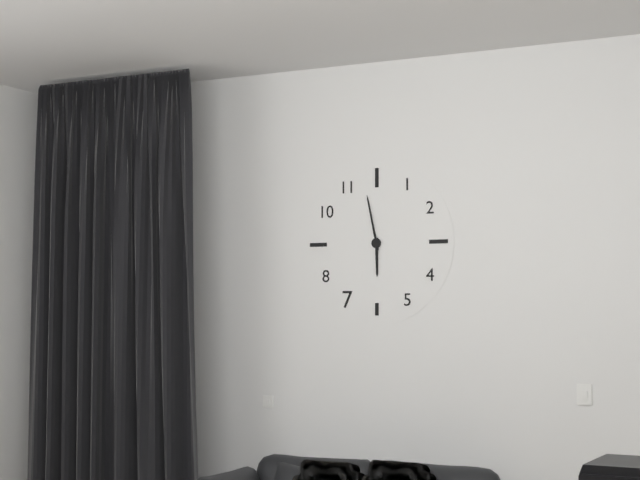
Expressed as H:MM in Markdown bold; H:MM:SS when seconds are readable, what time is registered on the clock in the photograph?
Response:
**5:58**
